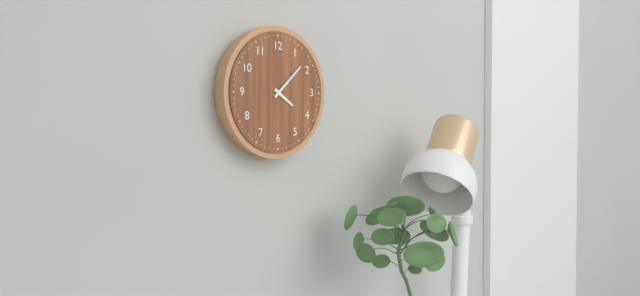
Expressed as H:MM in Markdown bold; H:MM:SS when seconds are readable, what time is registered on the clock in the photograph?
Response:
**4:08**
